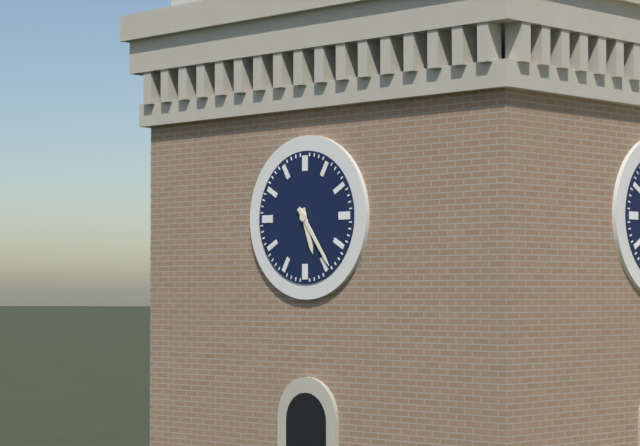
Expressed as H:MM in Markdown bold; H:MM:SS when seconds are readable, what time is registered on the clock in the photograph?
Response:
**5:24**
